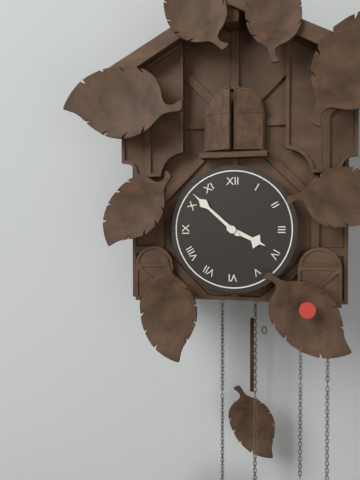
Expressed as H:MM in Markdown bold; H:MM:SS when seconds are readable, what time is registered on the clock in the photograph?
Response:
**3:52**
